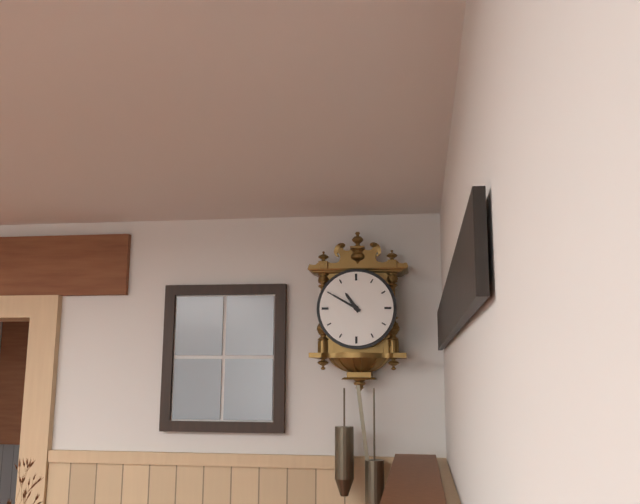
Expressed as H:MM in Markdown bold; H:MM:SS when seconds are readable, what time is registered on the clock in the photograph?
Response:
**10:50**
